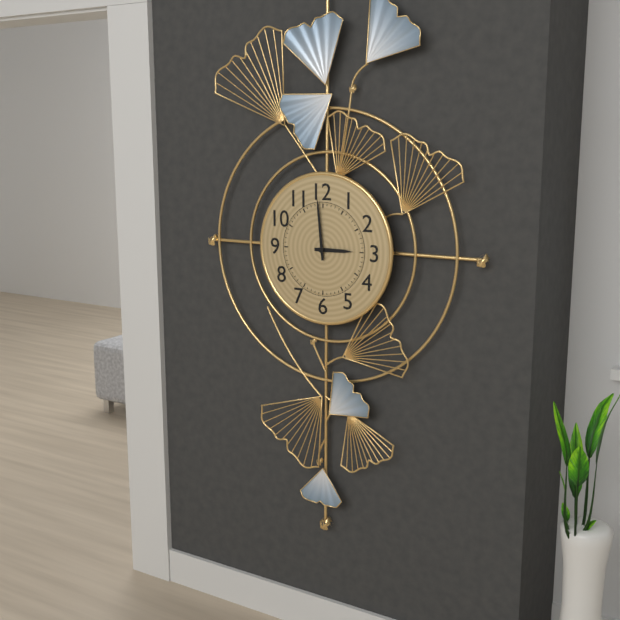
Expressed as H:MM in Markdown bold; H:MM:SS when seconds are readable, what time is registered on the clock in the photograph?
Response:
**2:59**
